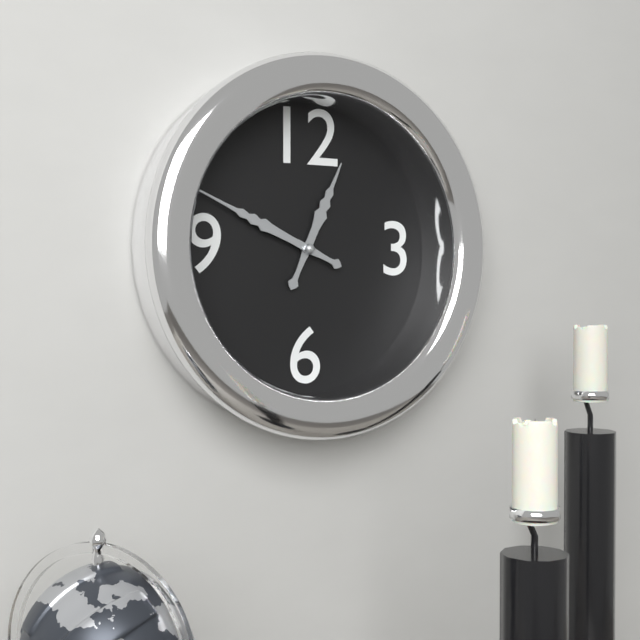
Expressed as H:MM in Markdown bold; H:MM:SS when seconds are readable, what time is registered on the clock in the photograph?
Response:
**12:49**
